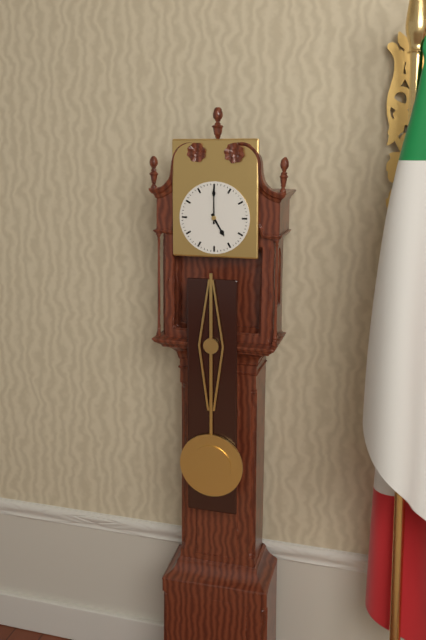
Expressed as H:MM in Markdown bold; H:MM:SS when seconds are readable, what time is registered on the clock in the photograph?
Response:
**5:00**
